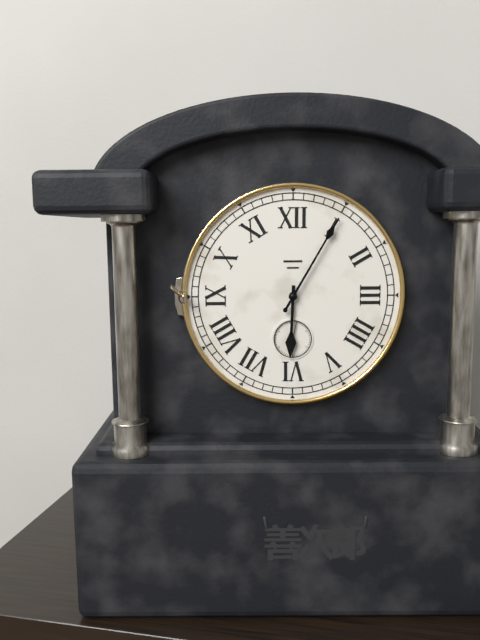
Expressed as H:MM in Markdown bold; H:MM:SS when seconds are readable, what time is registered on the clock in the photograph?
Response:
**6:05**
